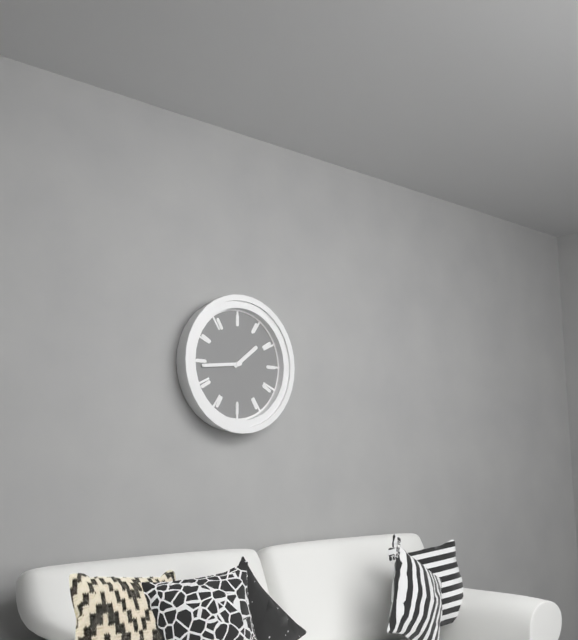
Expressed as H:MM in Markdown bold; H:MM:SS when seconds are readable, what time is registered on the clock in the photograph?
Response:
**1:44**
